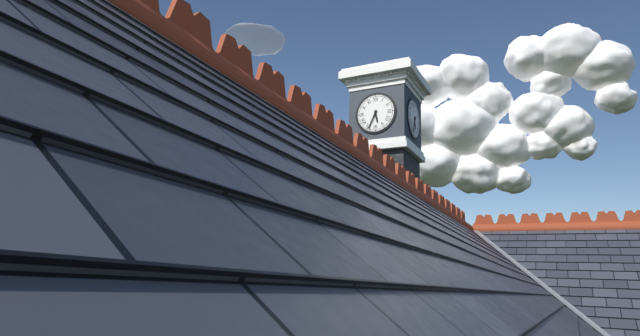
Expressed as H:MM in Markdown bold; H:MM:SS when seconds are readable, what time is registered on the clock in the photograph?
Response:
**5:34**
